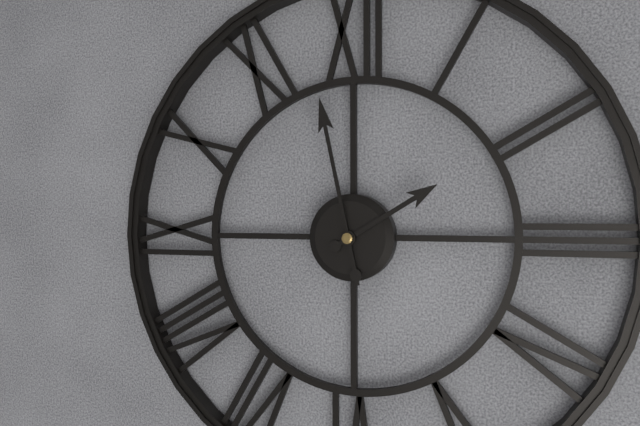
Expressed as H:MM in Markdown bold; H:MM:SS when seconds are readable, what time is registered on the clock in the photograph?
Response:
**1:58**
